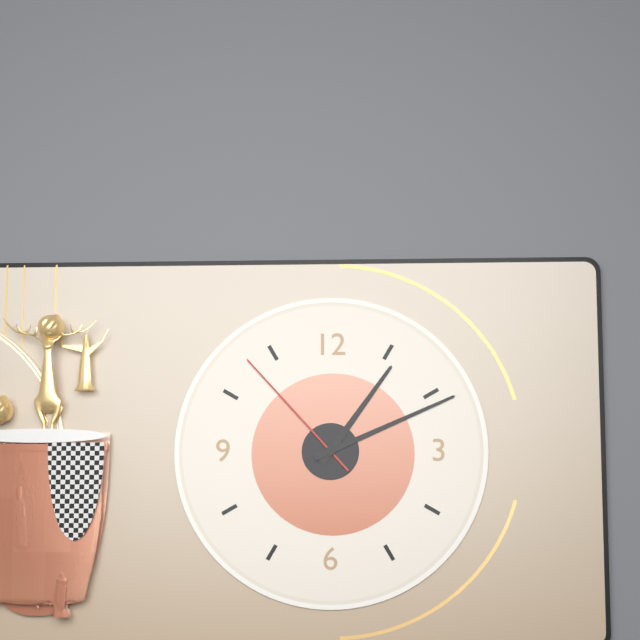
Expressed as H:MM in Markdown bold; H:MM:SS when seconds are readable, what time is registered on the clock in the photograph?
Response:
**1:11:53**
